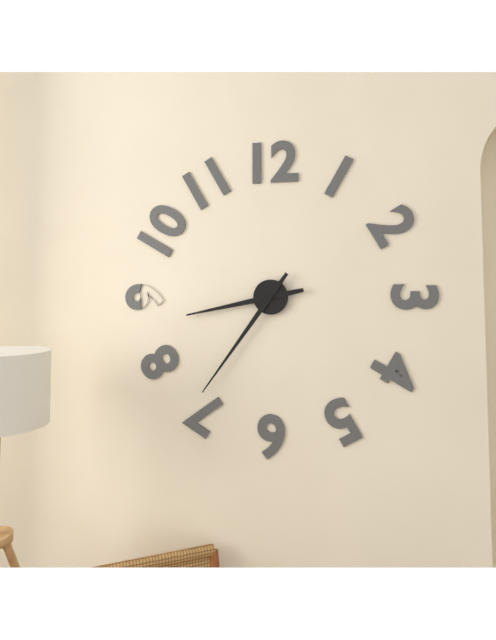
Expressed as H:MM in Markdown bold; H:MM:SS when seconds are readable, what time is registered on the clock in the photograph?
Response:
**8:36**
